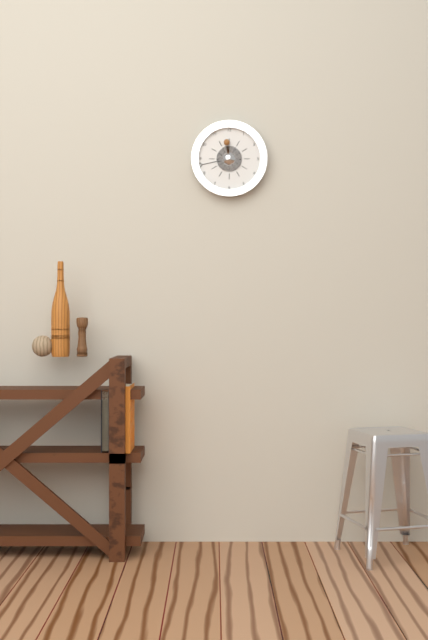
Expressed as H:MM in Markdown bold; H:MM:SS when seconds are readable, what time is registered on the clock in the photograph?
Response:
**11:43**
